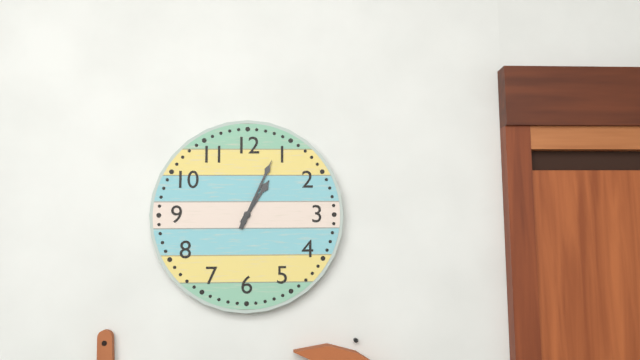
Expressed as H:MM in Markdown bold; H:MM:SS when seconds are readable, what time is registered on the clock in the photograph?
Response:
**1:04**
